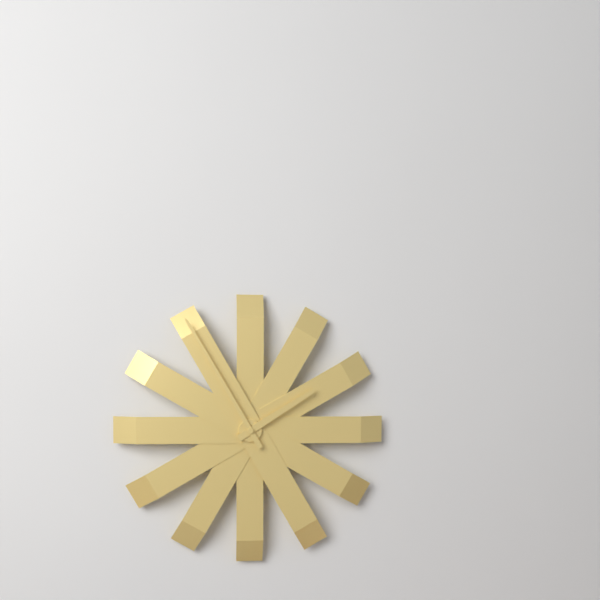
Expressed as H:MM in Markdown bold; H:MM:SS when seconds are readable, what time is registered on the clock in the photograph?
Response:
**1:55**
